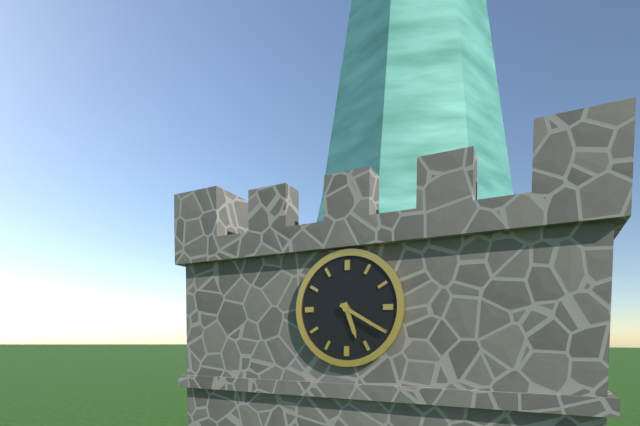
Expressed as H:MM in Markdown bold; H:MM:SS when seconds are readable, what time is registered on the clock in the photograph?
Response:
**5:20**
